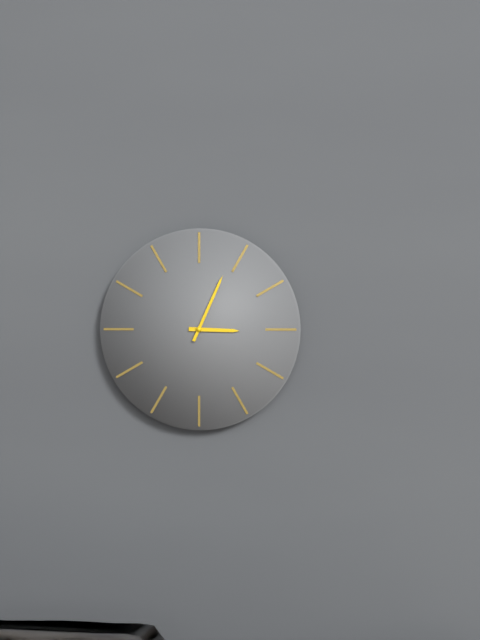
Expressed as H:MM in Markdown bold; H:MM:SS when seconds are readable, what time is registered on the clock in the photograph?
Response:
**3:04**
